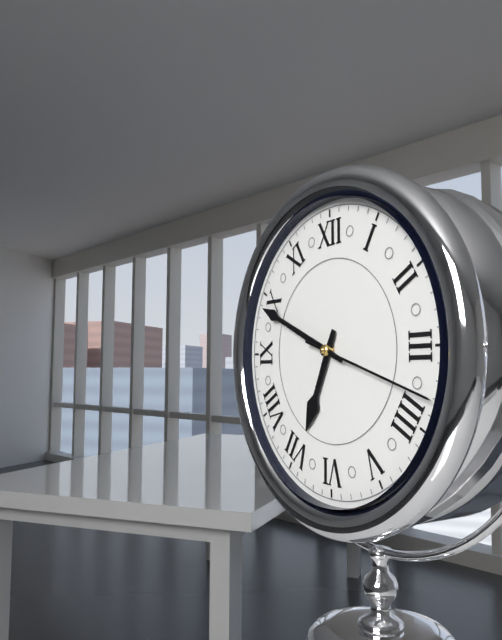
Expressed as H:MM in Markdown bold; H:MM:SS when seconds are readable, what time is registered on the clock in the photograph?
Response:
**6:49:18**
